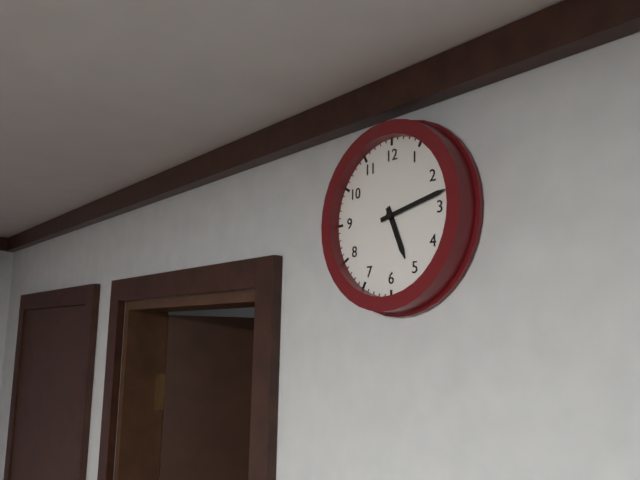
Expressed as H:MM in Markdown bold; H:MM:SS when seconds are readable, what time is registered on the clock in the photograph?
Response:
**5:13**
